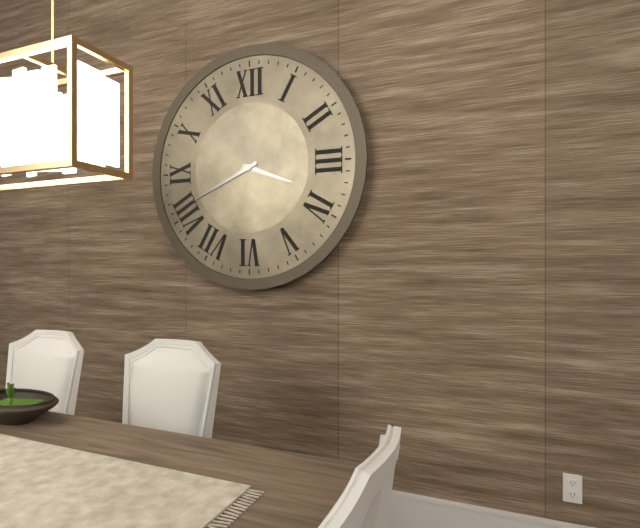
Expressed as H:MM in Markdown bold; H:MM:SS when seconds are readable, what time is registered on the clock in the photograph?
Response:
**3:41**
